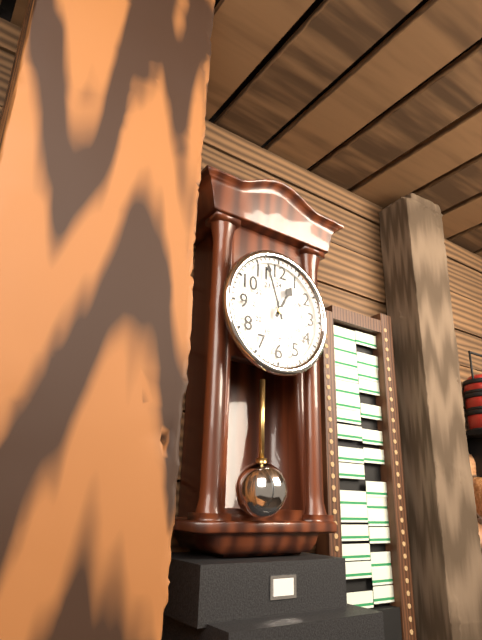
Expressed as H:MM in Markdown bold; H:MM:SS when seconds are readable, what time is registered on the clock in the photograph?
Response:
**12:57**
